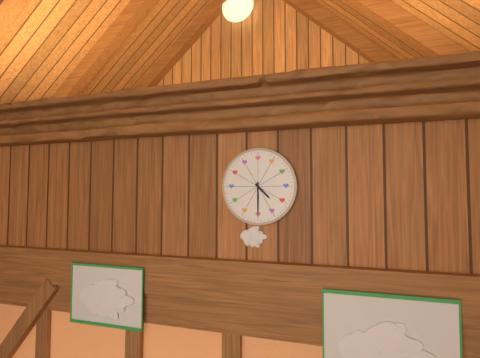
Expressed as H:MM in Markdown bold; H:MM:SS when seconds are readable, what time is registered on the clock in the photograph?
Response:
**4:30**
